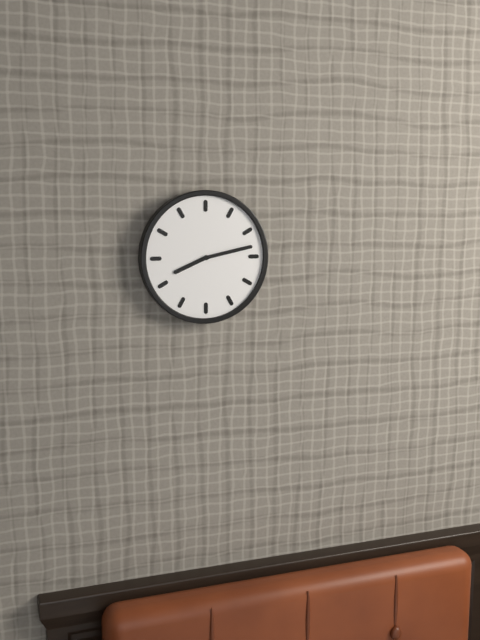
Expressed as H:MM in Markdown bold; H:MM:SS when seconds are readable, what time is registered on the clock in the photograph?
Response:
**8:13**
